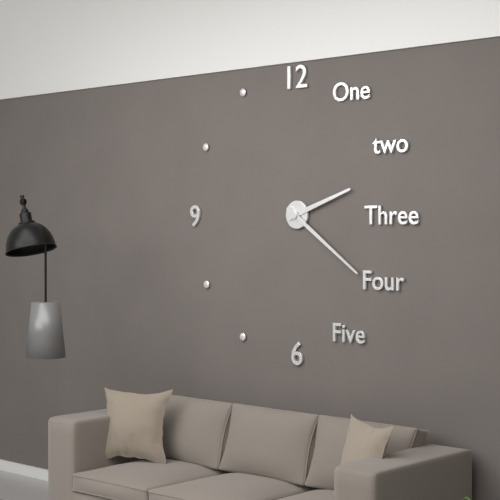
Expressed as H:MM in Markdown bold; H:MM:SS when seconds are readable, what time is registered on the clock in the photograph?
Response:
**2:21**
